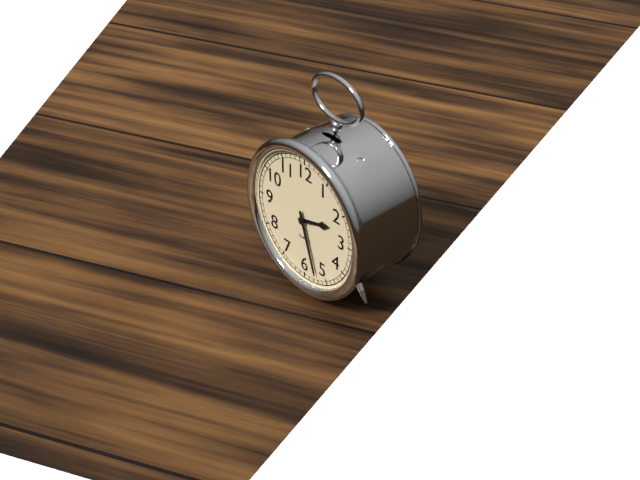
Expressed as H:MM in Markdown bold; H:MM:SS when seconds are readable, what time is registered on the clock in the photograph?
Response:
**2:27**
